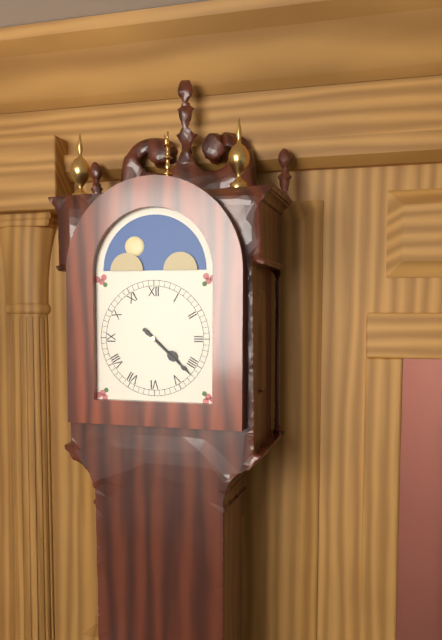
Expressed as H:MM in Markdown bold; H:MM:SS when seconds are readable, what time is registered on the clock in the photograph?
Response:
**4:22**
